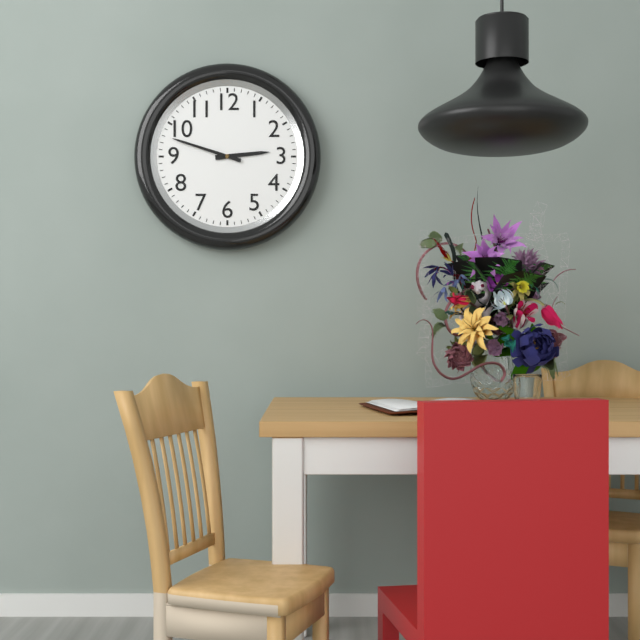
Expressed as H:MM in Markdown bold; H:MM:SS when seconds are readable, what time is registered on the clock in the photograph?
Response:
**2:48**
